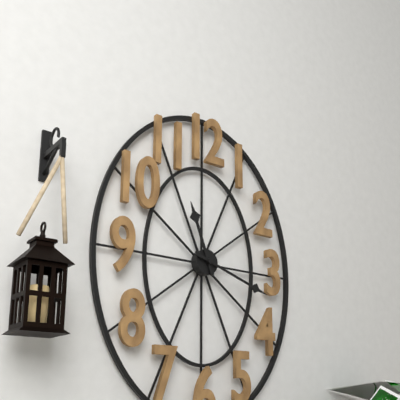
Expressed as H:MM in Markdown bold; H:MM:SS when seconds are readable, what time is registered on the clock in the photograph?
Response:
**11:18**
